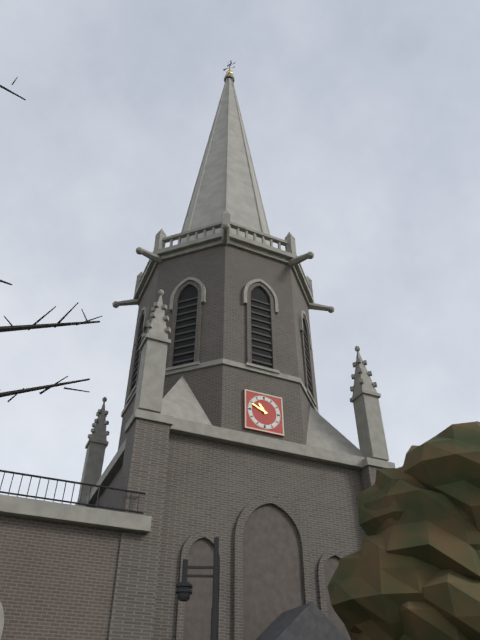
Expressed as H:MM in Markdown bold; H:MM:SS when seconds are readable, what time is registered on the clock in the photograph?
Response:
**10:49**
